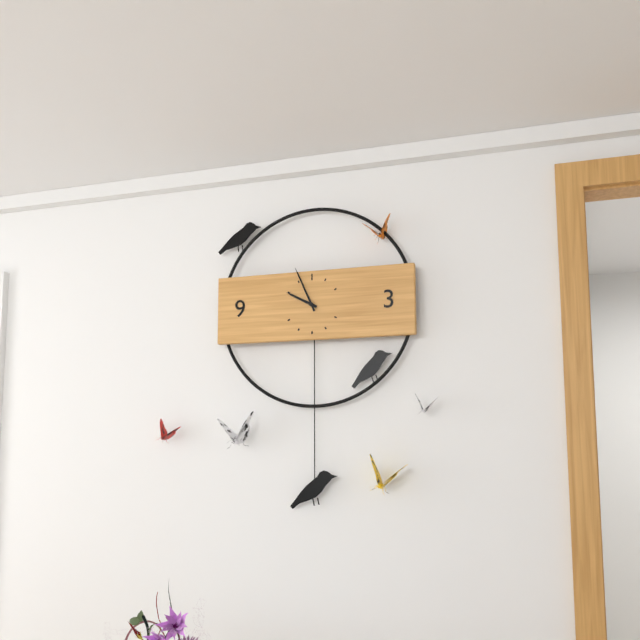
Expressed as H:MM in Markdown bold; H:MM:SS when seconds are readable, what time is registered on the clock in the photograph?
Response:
**9:56**
